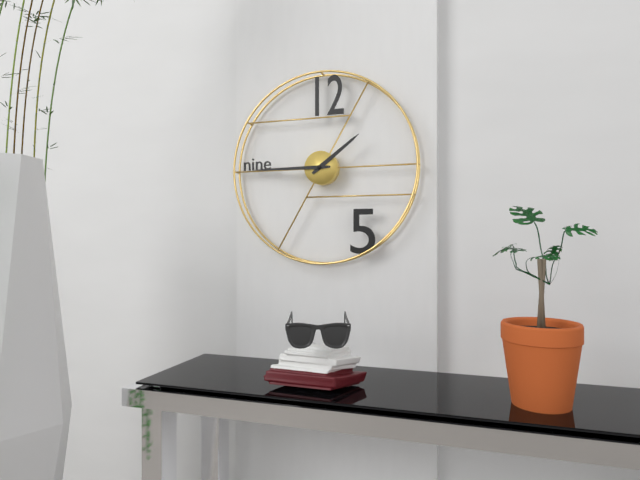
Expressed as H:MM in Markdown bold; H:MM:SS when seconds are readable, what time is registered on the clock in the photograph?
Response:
**1:45**
